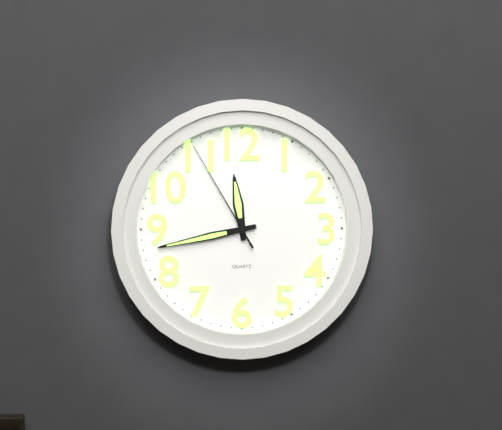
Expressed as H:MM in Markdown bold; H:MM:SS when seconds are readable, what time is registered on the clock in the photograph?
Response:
**11:43:55**
